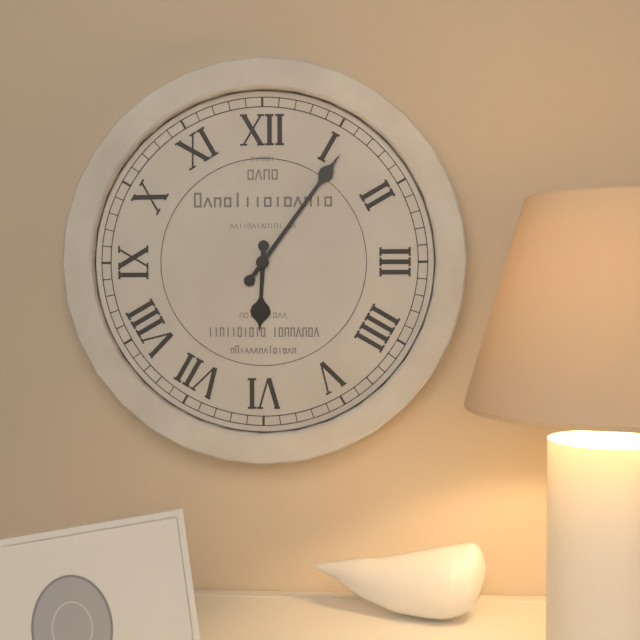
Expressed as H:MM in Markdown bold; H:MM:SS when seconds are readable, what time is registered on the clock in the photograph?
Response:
**6:06**
